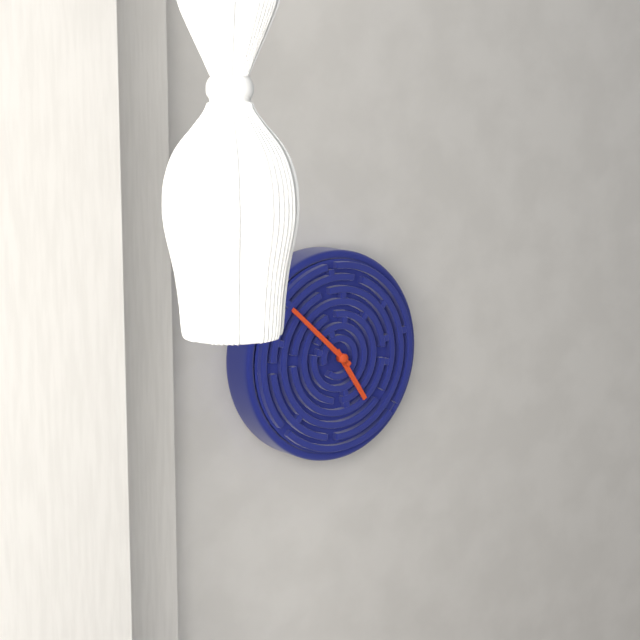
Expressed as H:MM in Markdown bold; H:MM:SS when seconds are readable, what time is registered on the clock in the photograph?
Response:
**4:52**
